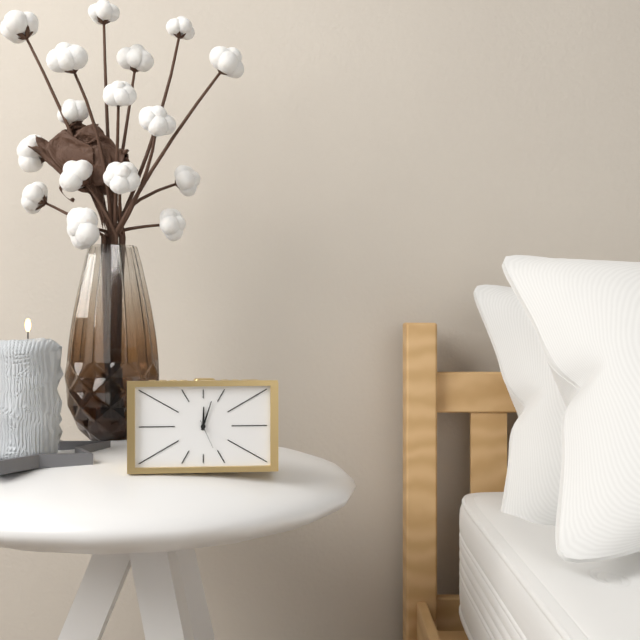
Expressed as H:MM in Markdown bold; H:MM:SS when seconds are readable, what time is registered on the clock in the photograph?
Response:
**12:03**
